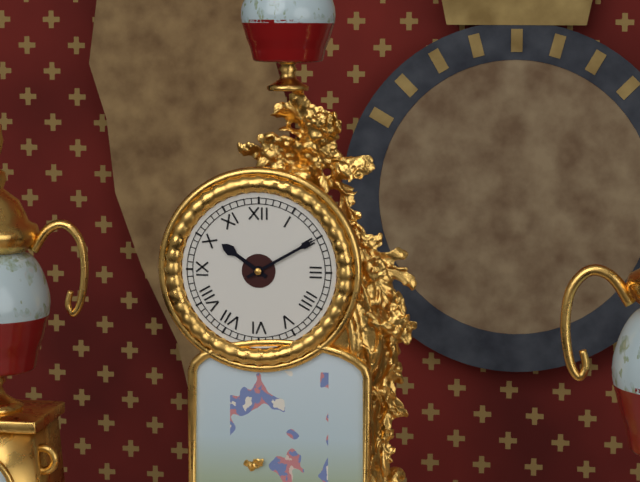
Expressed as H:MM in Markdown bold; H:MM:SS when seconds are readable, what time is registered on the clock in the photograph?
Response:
**10:10**
